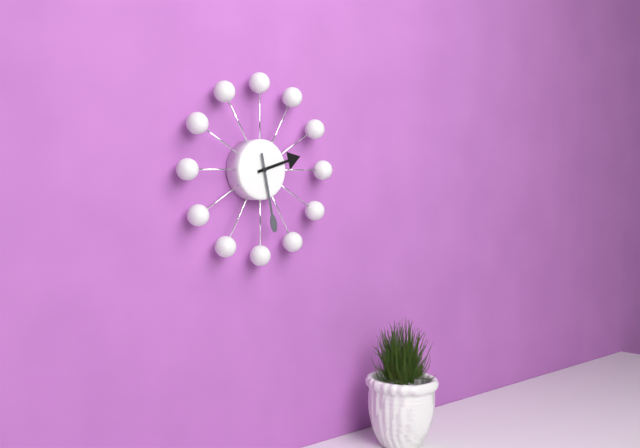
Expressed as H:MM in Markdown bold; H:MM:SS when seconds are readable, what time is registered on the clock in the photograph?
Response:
**2:28**
